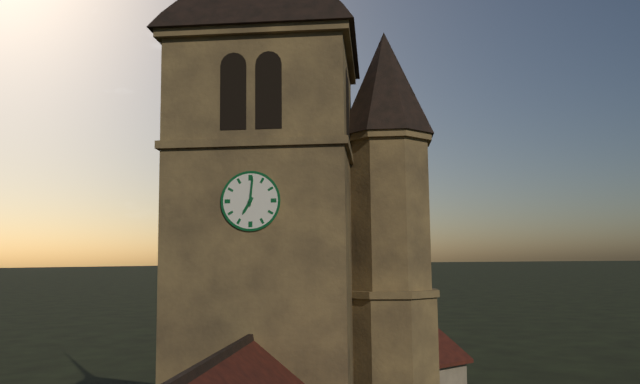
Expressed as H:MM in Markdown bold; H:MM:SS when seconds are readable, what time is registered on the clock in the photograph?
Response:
**7:01**
